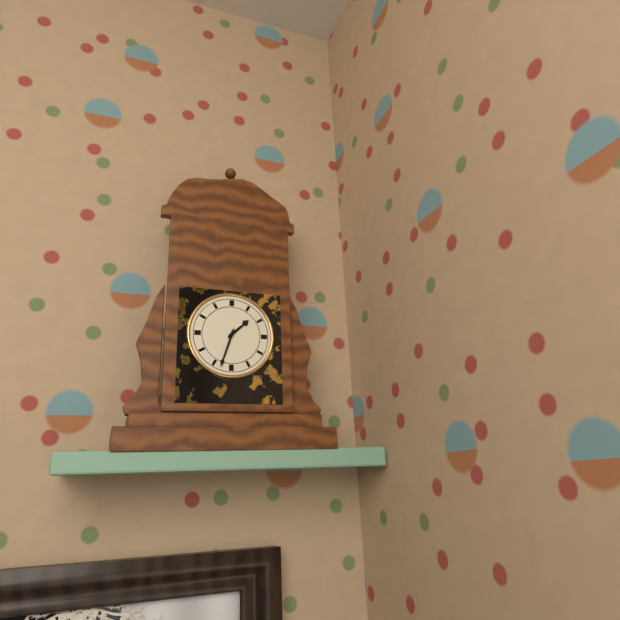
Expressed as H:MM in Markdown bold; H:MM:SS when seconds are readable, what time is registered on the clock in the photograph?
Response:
**1:33**
